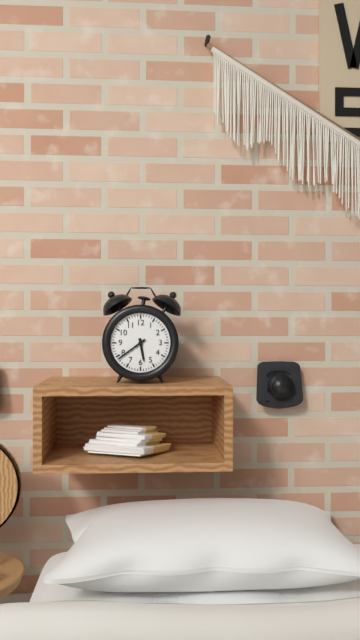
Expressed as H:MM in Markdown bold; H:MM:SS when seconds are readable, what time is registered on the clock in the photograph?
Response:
**5:39**
